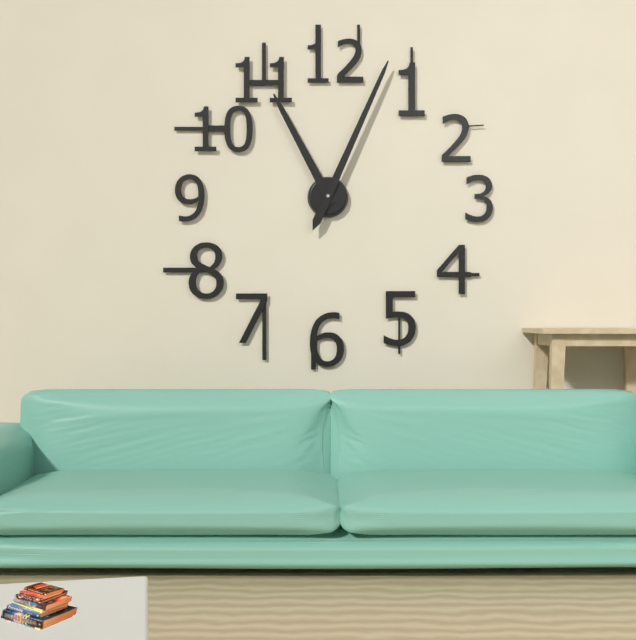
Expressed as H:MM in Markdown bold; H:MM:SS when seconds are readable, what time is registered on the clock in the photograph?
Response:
**11:04**
